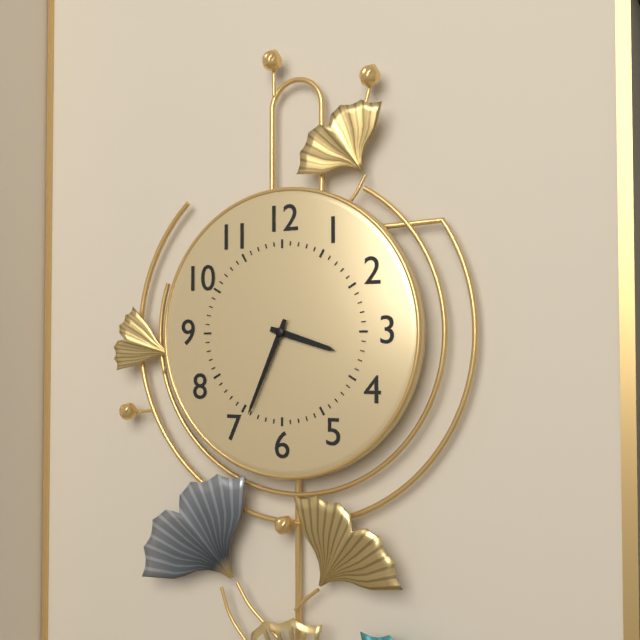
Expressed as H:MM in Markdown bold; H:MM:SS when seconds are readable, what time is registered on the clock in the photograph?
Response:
**3:34**
